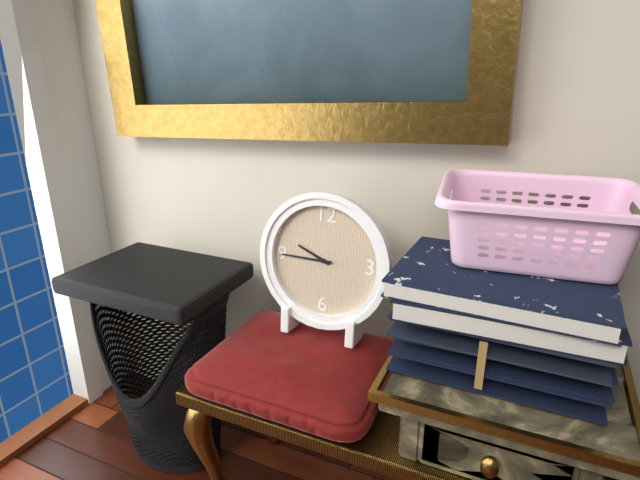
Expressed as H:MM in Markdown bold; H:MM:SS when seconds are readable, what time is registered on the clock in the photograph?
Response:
**9:45**
